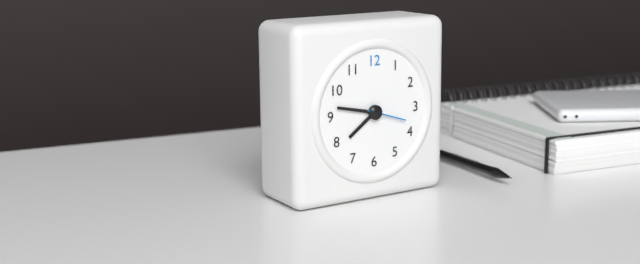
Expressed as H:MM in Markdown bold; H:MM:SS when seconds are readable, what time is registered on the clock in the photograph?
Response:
**7:47**
